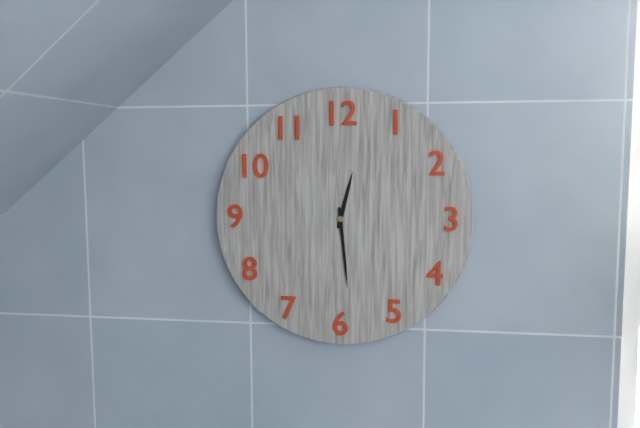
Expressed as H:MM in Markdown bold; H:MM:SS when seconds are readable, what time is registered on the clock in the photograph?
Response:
**12:29**
